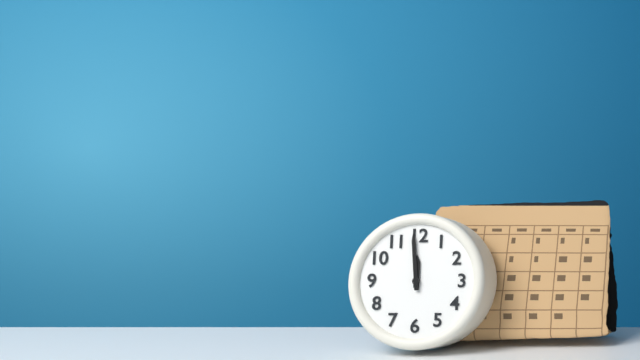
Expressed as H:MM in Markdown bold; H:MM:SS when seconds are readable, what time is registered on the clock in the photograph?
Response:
**11:59**
